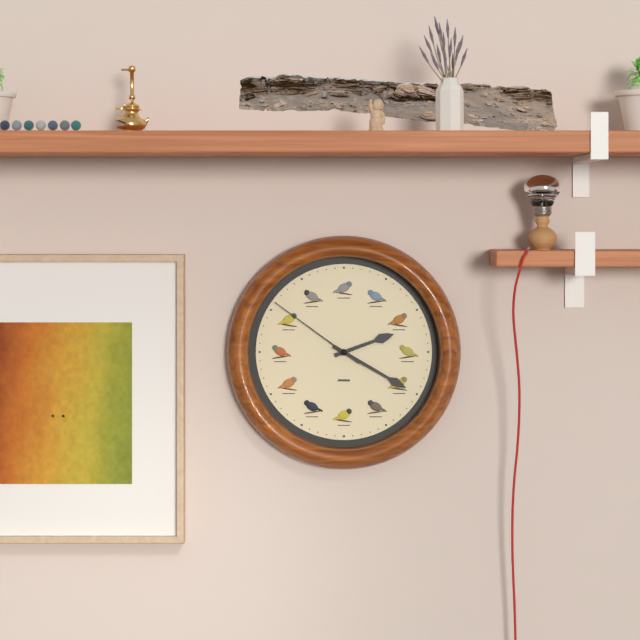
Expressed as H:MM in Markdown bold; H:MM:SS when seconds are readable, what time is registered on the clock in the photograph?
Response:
**2:20:51**
